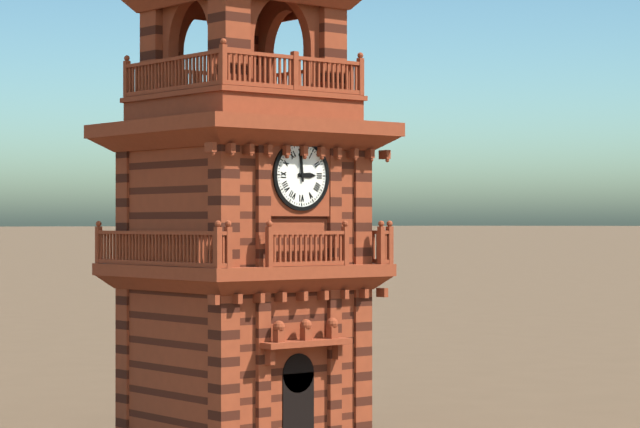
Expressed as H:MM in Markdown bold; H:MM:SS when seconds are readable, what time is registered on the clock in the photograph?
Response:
**2:59**
